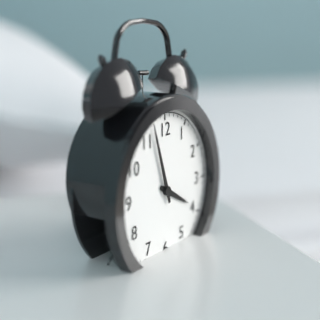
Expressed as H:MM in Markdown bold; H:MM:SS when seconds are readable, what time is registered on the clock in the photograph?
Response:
**3:57**
